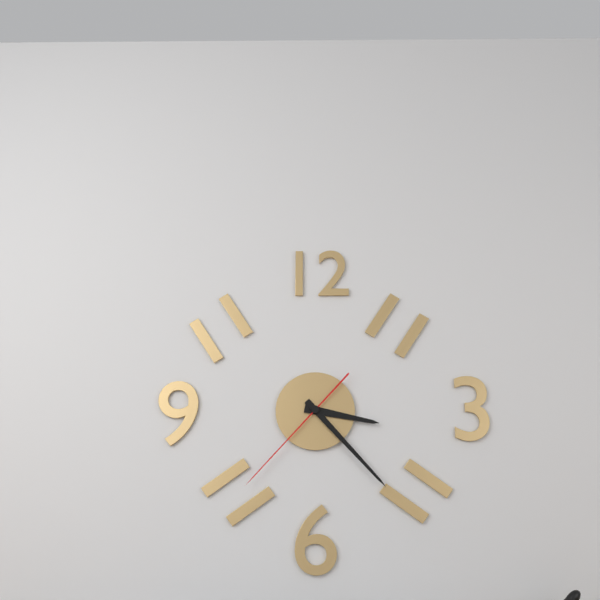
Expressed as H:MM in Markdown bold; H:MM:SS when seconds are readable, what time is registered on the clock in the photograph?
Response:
**3:23:37**
